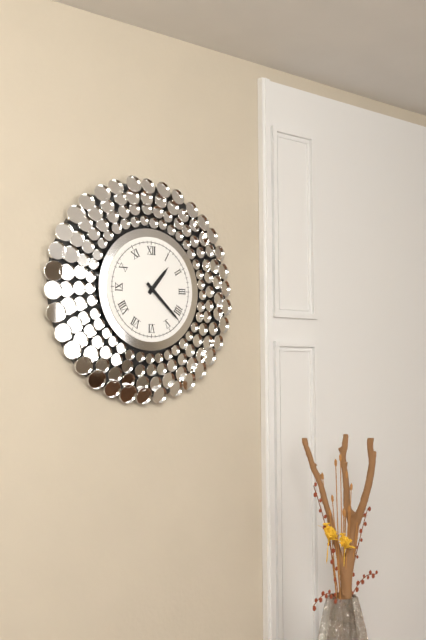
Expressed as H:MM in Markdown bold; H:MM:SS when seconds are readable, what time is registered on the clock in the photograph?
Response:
**1:22**
